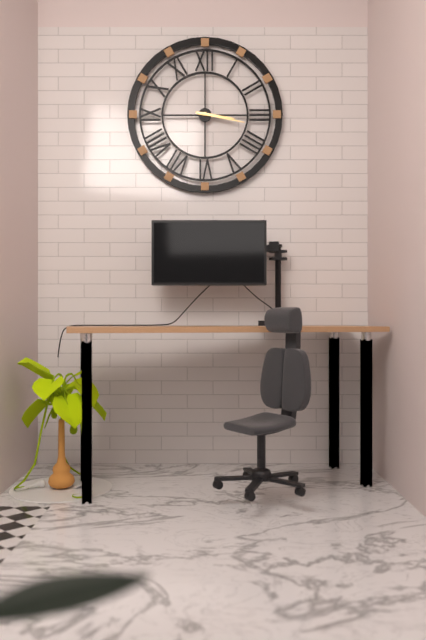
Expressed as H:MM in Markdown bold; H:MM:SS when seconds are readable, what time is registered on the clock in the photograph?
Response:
**3:17**
